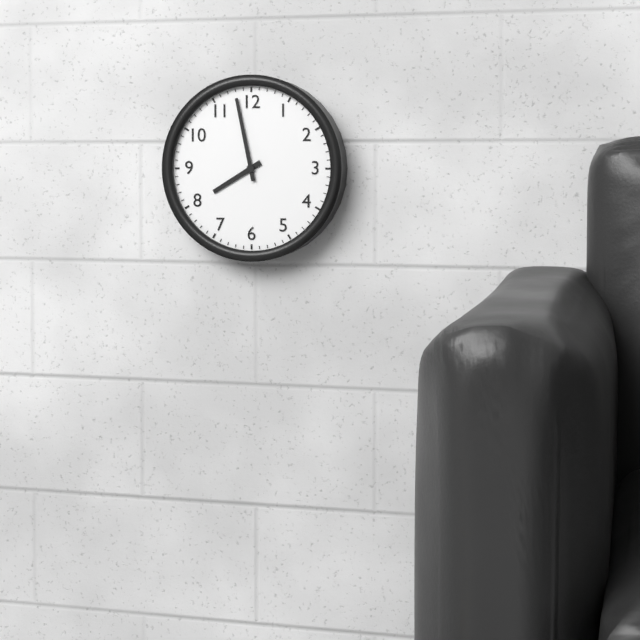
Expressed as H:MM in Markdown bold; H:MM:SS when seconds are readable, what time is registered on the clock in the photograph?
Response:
**7:58**
